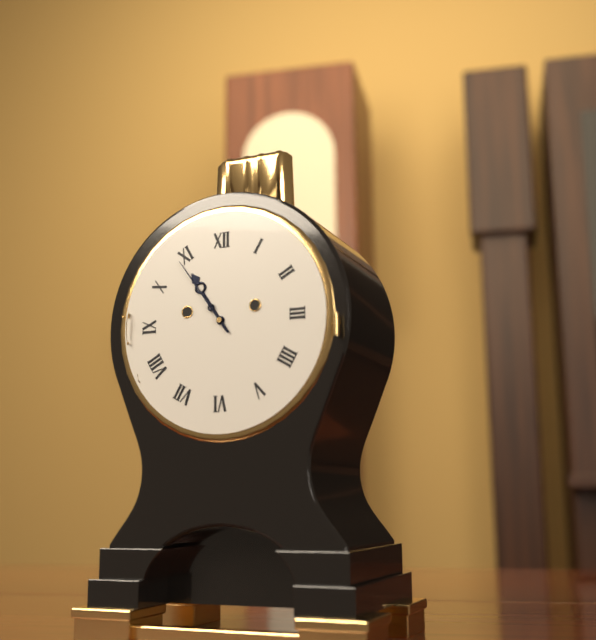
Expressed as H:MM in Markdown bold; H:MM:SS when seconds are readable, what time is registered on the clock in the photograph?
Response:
**10:54**
